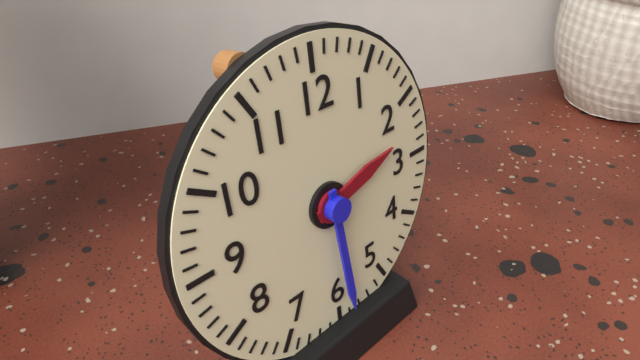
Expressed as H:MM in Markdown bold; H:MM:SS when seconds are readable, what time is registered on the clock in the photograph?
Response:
**2:29**
